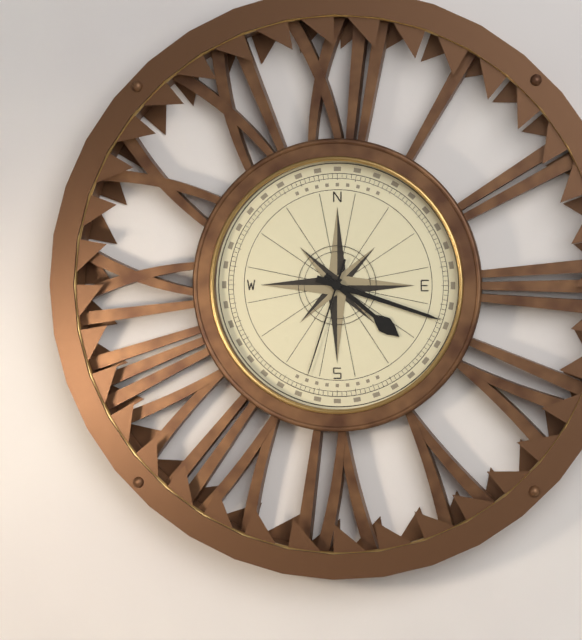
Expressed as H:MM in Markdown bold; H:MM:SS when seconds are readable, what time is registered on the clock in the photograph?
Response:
**4:18:33**
